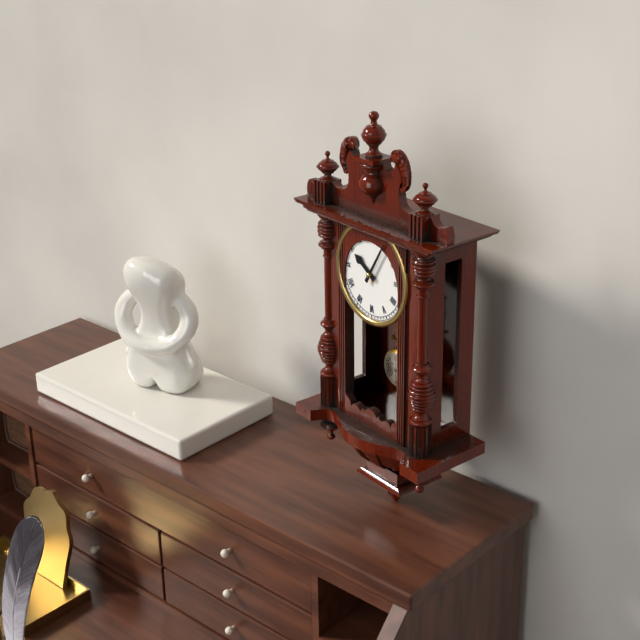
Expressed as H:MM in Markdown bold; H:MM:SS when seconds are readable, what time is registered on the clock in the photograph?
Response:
**10:05**
